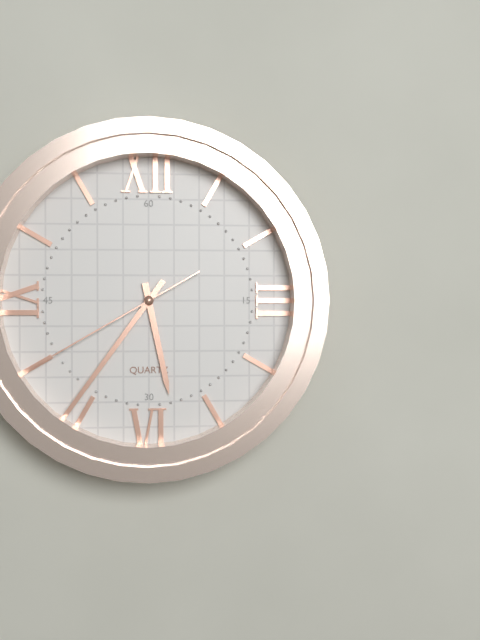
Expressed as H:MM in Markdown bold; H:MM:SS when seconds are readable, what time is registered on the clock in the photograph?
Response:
**5:36:40**
